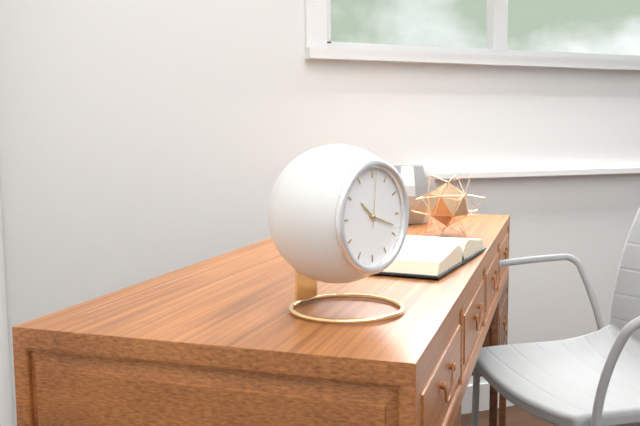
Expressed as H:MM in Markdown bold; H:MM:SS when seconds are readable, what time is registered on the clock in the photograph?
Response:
**10:18:01**
